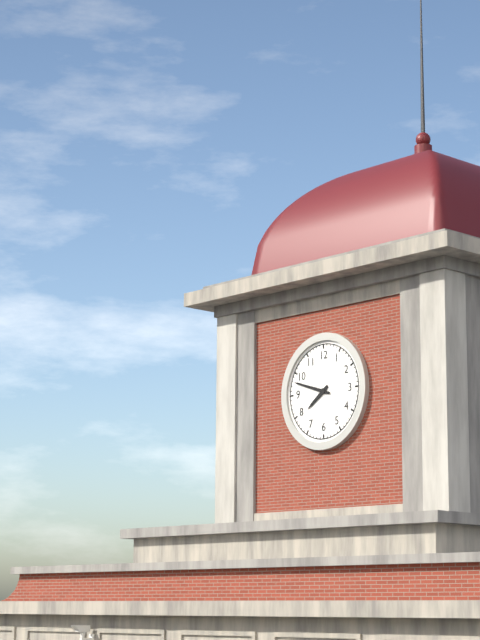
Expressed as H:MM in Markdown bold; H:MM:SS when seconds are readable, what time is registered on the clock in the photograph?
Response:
**7:48**
